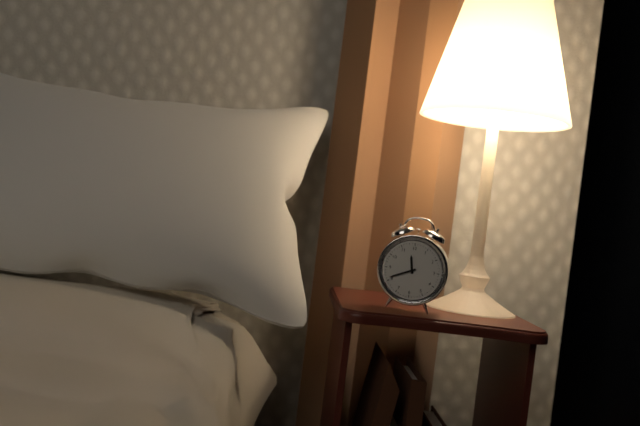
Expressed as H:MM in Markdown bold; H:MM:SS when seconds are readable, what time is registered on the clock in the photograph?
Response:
**11:41**
